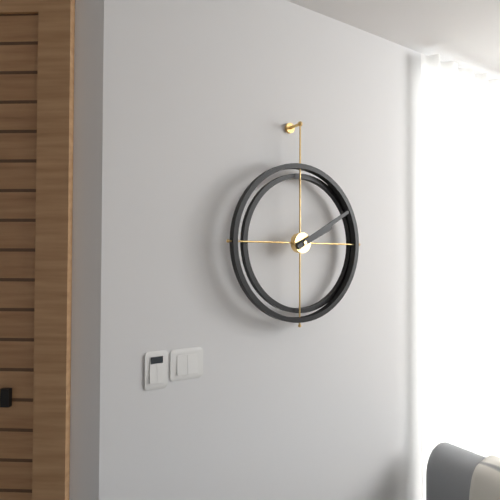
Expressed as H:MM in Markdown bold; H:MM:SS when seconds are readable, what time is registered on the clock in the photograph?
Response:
**2:10**
